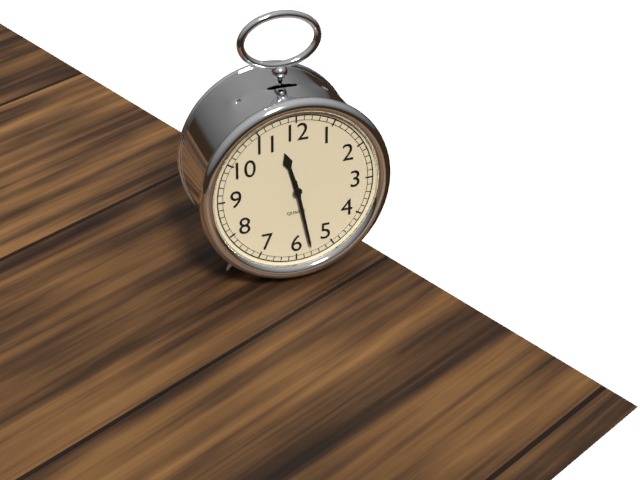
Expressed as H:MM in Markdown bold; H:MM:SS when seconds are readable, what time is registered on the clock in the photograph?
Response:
**11:28**
